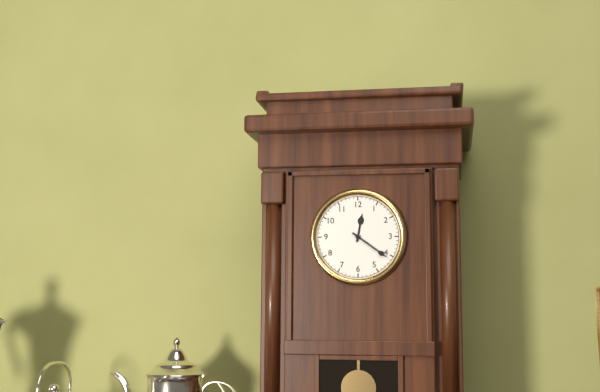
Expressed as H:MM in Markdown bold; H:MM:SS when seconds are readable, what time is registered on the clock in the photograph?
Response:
**12:21**
